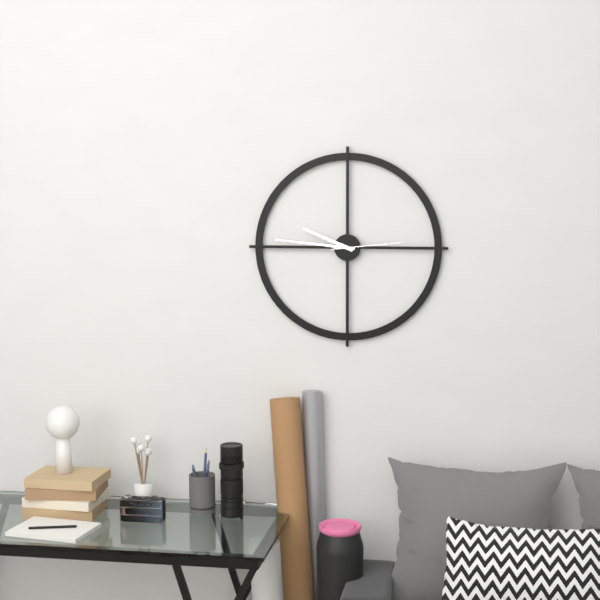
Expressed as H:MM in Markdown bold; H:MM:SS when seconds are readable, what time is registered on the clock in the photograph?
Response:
**9:46:14**
